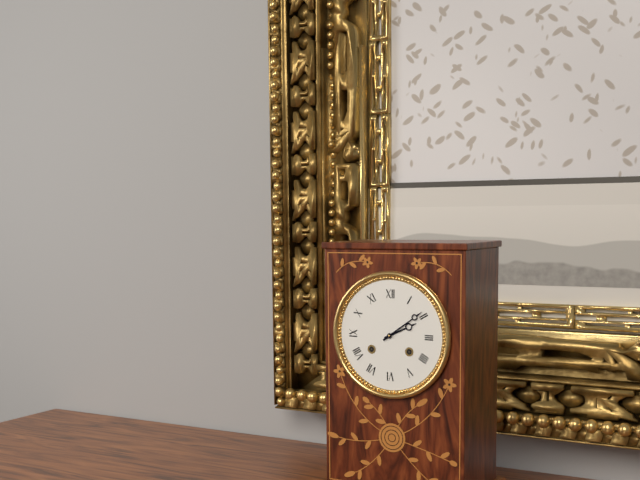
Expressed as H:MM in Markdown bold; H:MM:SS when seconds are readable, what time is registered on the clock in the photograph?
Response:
**2:09**
